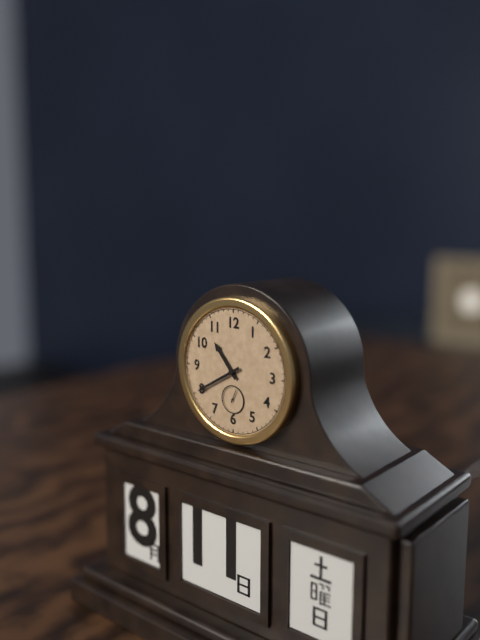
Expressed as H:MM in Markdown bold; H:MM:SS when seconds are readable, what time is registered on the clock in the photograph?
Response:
**10:40**
